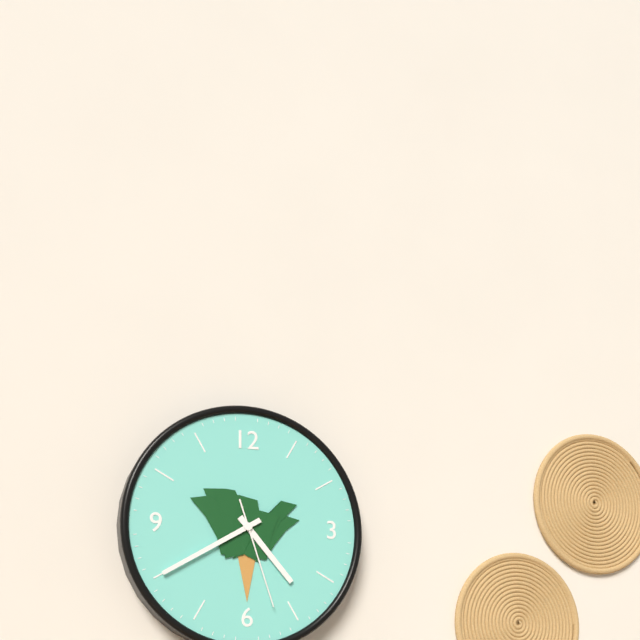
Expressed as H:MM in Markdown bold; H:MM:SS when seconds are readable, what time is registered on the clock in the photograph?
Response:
**4:40:27**
